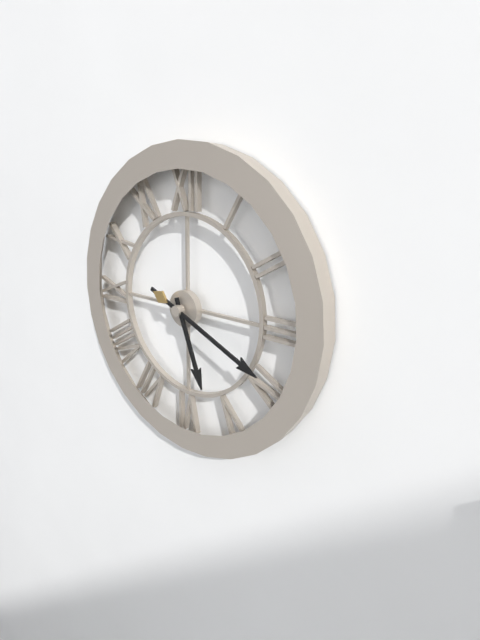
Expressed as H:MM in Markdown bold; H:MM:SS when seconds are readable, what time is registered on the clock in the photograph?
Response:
**5:19**
